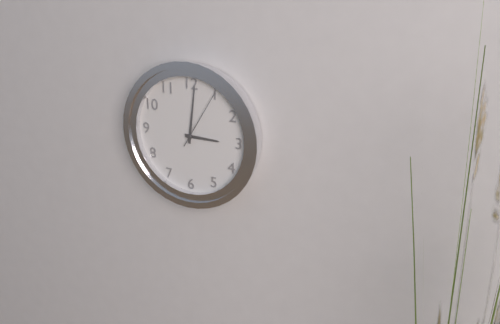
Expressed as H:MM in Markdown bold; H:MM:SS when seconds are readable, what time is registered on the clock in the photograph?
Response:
**3:01:05**
